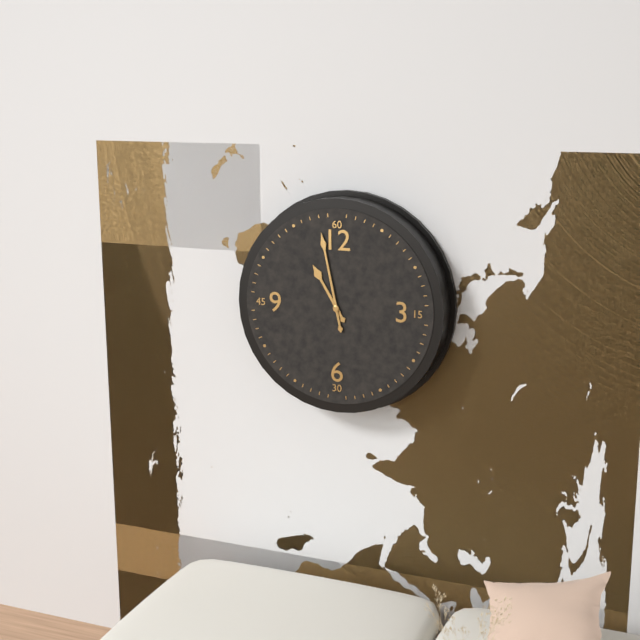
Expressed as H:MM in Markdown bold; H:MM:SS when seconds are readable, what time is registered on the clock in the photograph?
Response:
**10:58**
